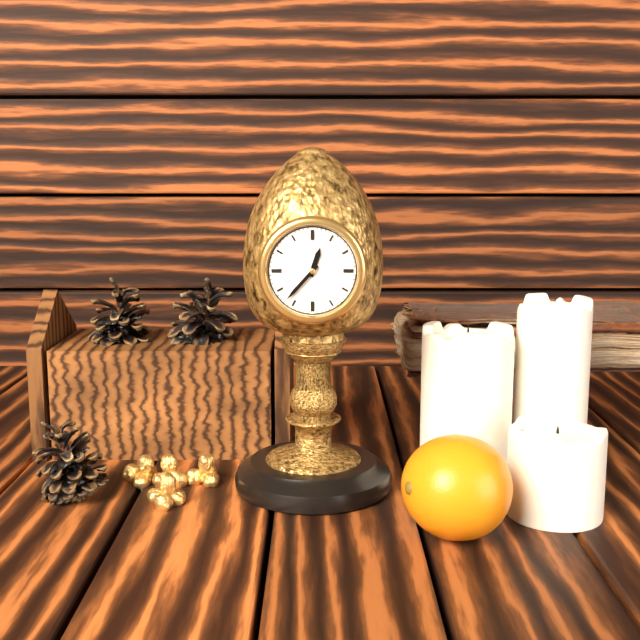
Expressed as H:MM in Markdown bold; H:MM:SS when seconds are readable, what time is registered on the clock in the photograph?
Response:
**12:37**
